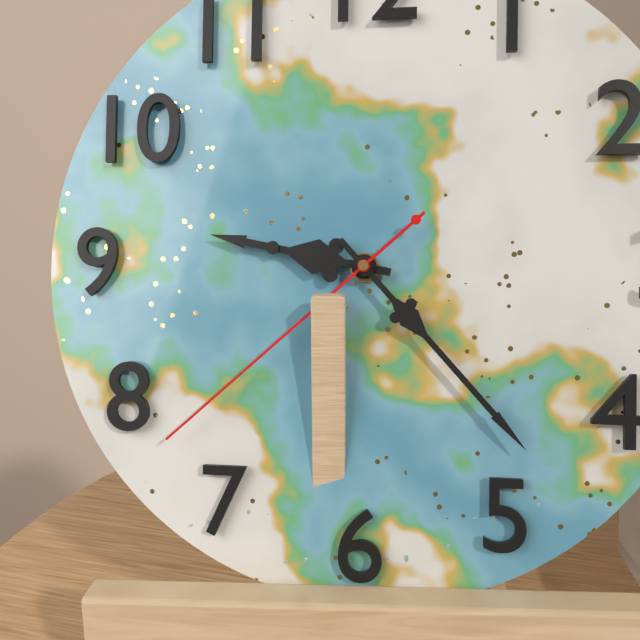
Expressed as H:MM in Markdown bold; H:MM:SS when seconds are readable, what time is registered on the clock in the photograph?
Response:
**9:23:38**
